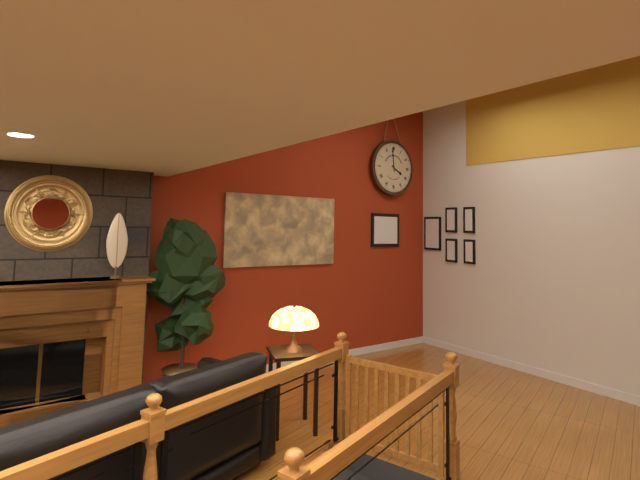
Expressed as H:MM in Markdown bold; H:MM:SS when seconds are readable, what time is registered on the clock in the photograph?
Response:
**3:59**
